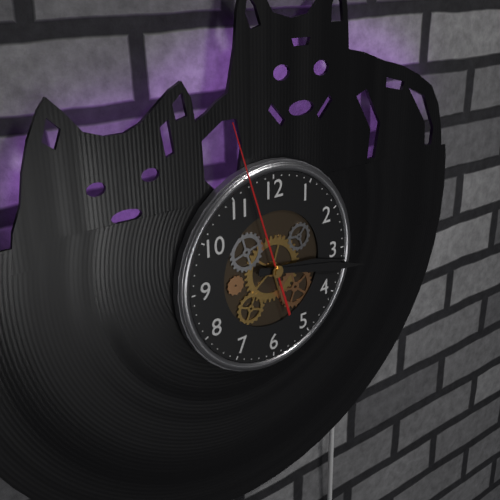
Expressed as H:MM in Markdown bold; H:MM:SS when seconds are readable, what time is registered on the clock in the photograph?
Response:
**3:17:57**
